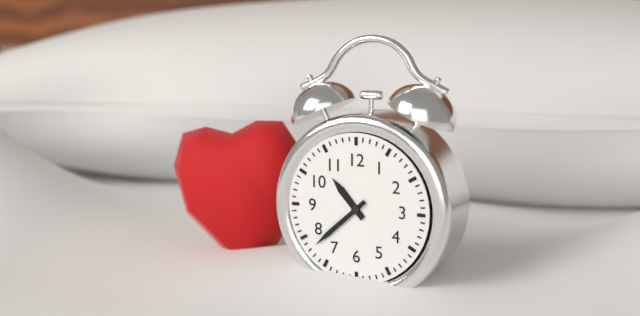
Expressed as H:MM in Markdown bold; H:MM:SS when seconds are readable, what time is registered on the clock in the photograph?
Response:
**10:38**
